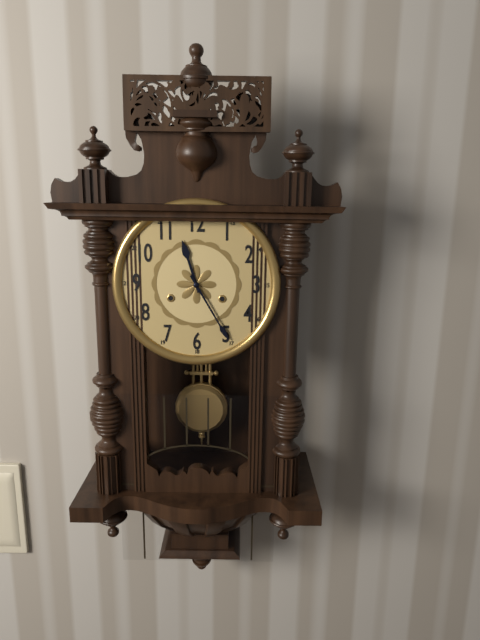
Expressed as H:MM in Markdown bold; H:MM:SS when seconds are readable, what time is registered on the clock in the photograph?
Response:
**11:25**
